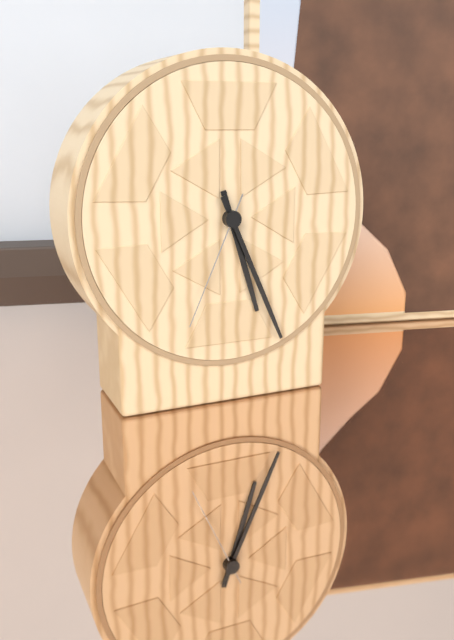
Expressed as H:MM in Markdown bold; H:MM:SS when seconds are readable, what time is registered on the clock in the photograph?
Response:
**5:26:34**
